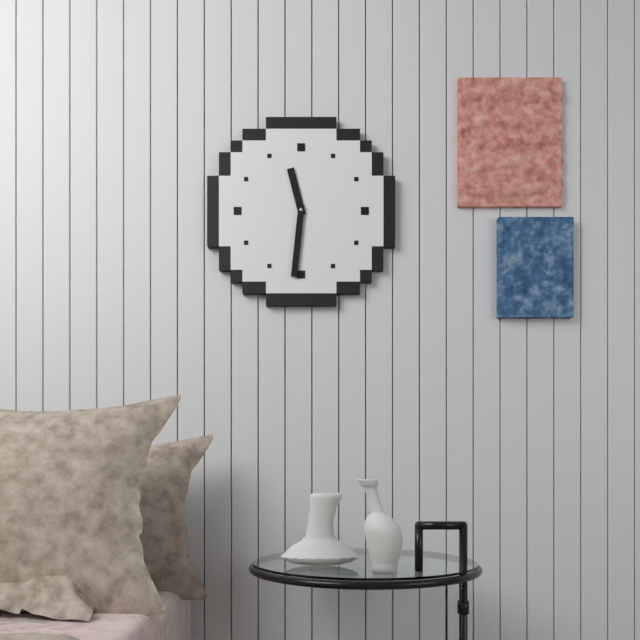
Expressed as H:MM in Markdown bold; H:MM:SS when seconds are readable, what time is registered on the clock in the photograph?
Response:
**11:31**
